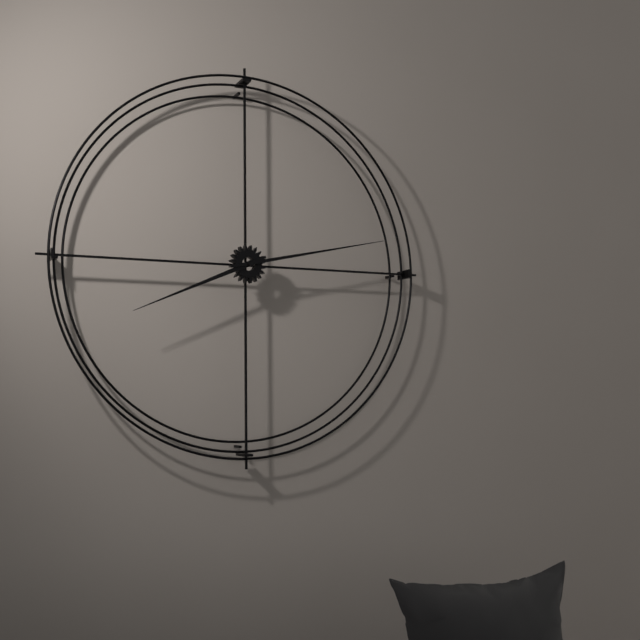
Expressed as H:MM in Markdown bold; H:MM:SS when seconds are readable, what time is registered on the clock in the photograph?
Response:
**8:13**
